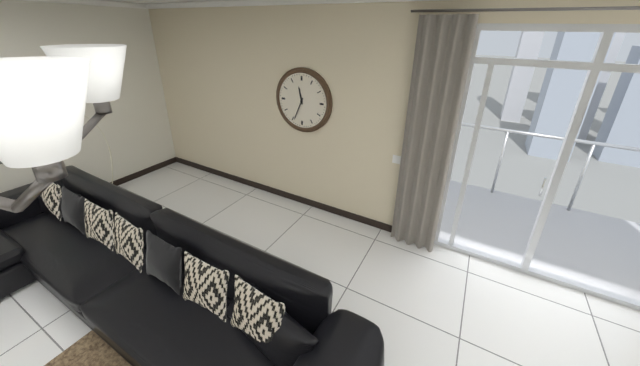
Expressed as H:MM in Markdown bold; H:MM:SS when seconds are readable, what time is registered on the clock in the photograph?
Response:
**11:34**
